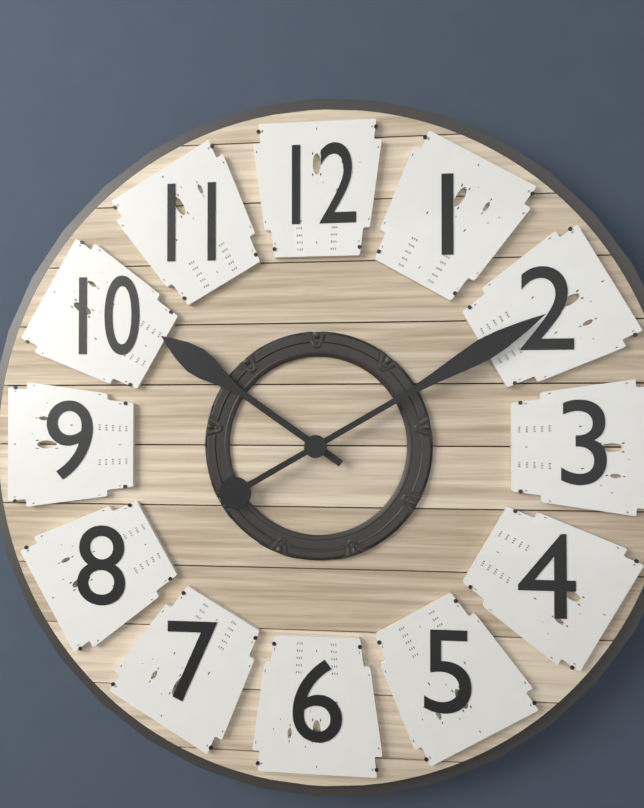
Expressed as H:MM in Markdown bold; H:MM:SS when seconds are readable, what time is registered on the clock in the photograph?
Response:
**10:10**
